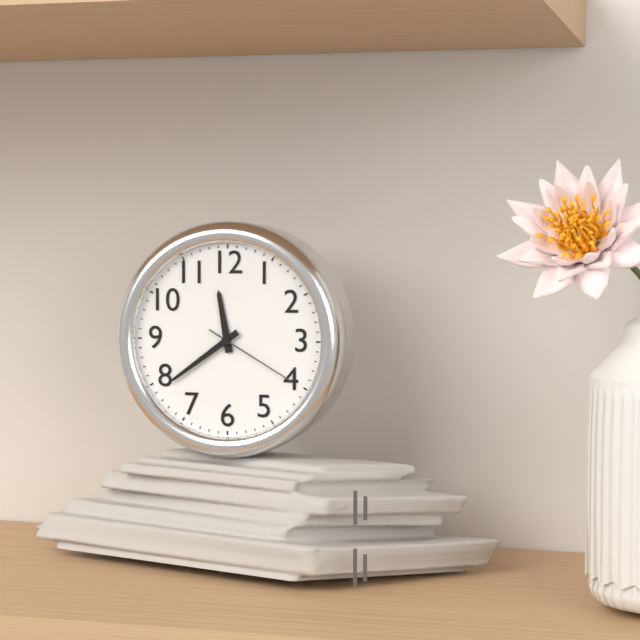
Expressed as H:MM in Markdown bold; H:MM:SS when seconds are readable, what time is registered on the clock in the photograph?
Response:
**11:39:20**
